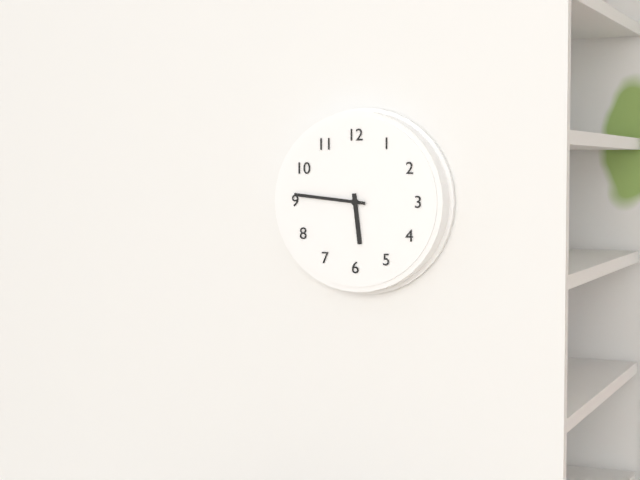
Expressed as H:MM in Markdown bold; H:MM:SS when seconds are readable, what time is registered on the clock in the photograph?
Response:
**5:46**
